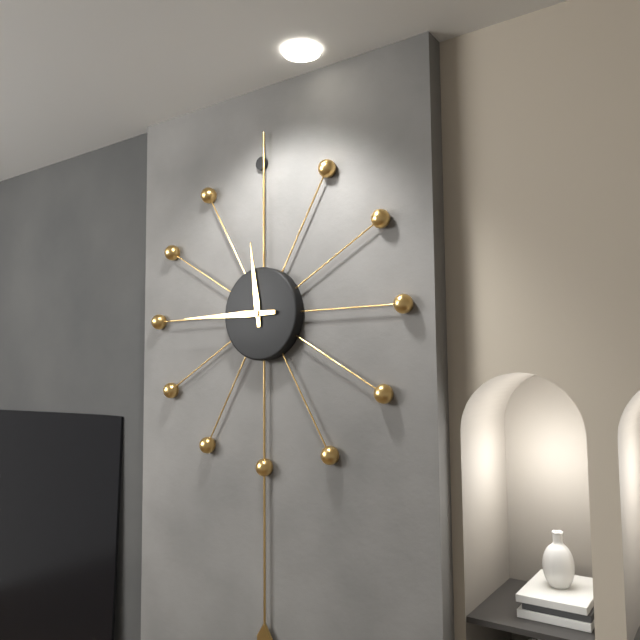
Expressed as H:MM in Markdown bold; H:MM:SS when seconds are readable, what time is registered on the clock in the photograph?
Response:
**11:45**
